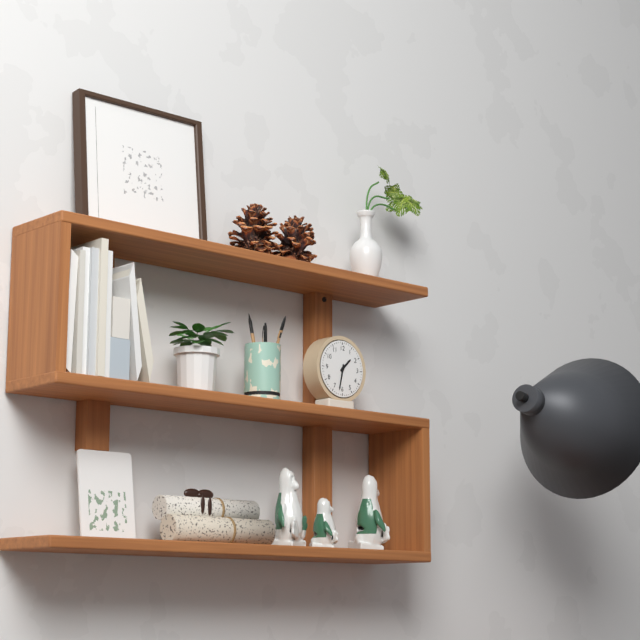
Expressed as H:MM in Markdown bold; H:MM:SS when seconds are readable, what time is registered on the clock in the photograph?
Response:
**1:32**
